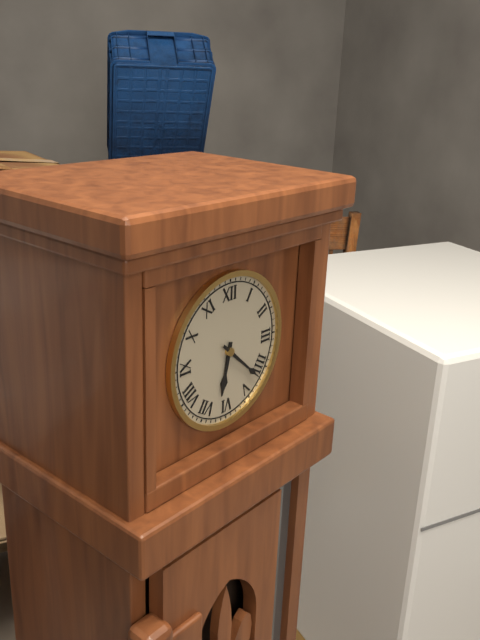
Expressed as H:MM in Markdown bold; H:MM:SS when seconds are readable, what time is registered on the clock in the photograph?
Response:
**6:22**
